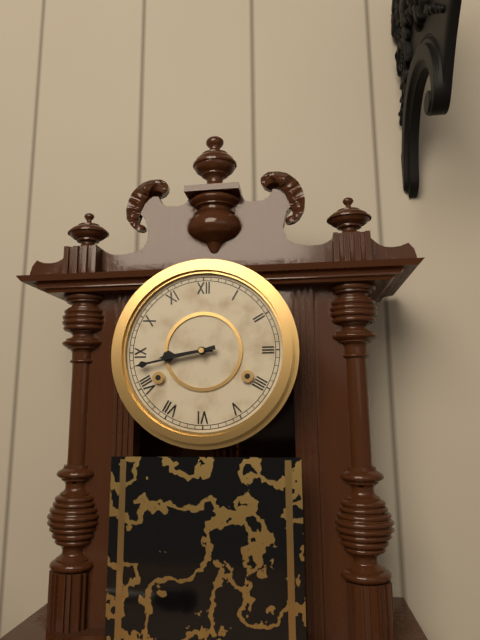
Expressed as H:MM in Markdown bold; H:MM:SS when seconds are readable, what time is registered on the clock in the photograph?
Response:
**8:43**
